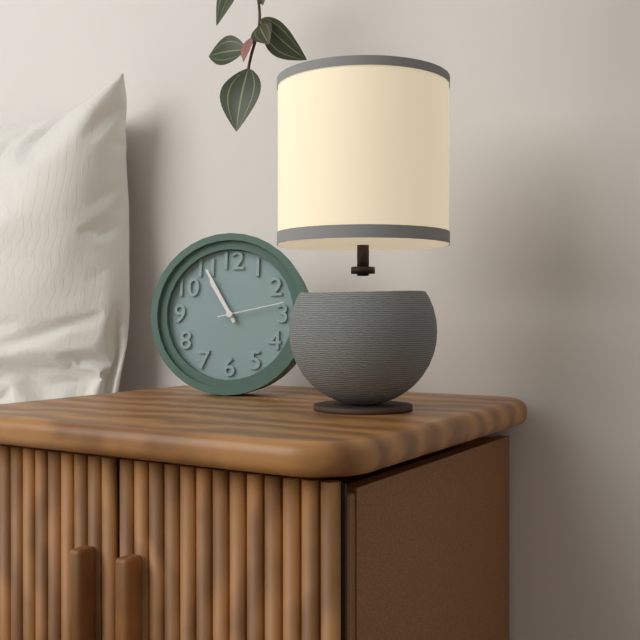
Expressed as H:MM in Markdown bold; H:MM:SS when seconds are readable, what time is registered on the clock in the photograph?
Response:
**10:55:13**
